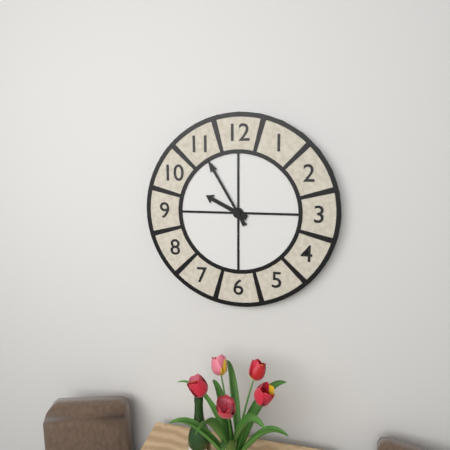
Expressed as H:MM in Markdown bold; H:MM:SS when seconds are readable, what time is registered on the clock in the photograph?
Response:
**9:55**
